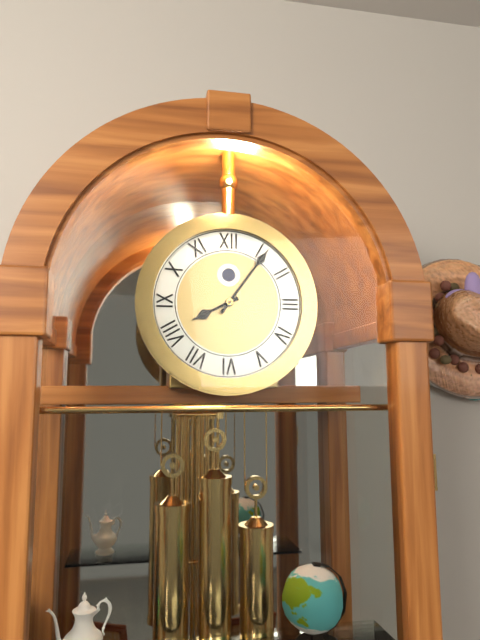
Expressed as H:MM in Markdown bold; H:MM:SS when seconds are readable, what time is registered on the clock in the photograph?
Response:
**8:06**
